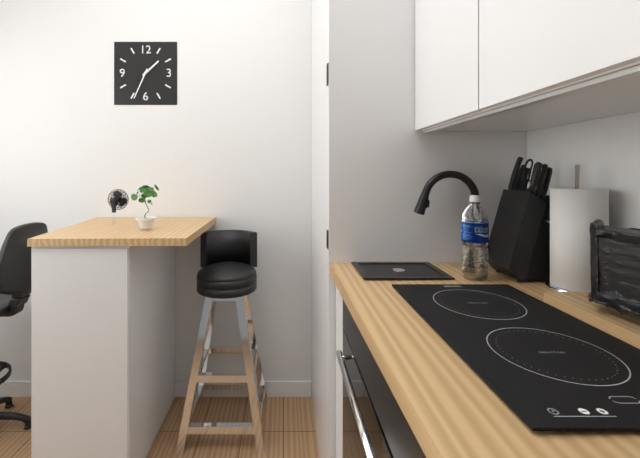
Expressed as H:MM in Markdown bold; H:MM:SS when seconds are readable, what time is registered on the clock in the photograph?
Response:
**1:34**
